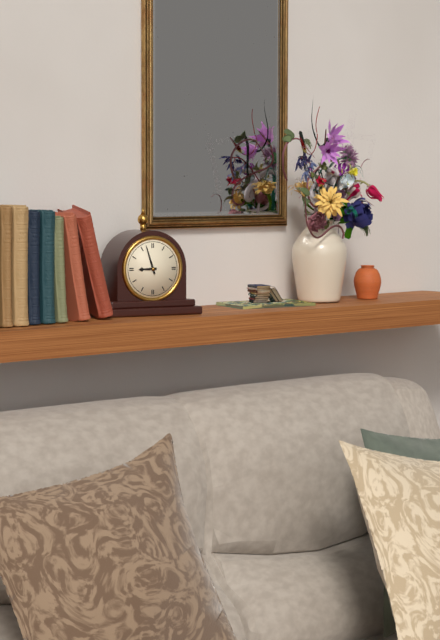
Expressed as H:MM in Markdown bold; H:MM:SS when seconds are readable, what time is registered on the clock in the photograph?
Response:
**8:57**
